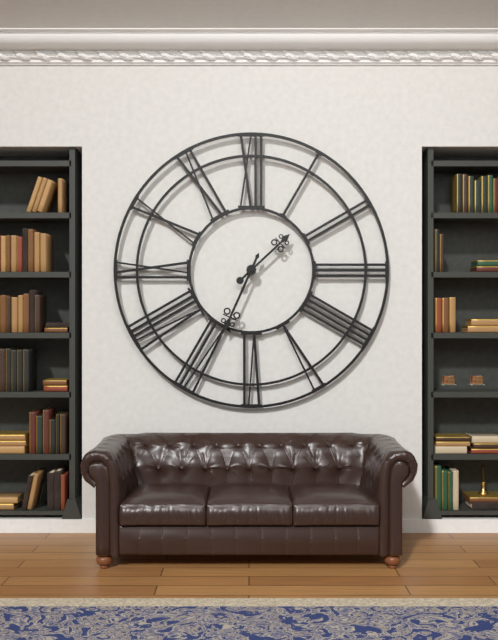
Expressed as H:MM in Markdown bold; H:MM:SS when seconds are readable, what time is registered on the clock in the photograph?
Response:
**1:34**
